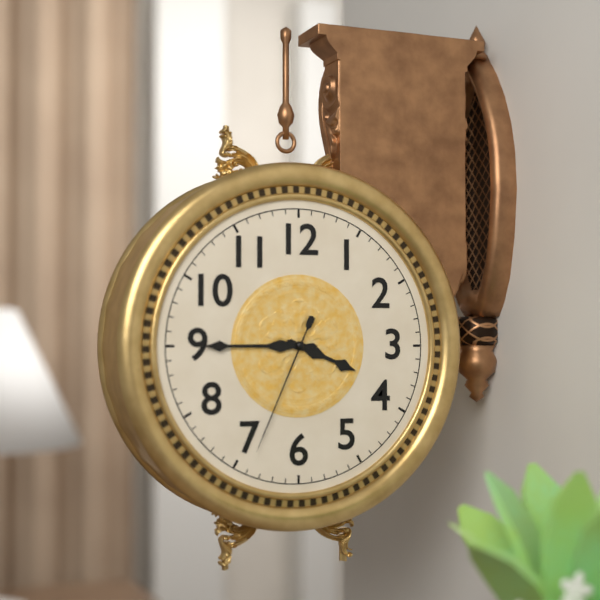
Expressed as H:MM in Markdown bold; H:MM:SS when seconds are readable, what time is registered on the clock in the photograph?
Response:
**3:45:34**
